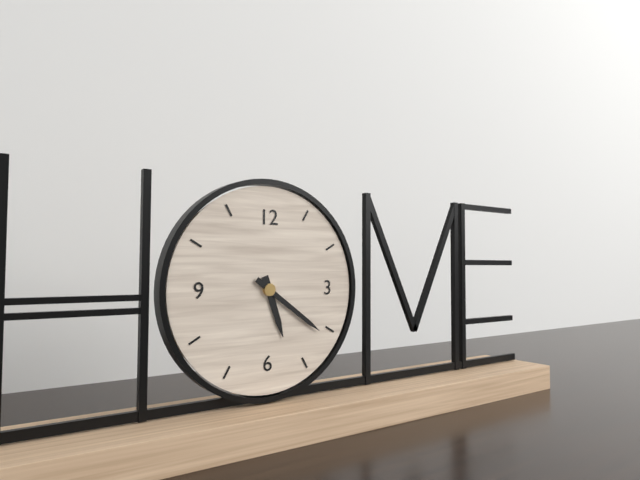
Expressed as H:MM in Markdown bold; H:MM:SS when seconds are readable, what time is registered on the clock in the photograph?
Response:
**5:21**
